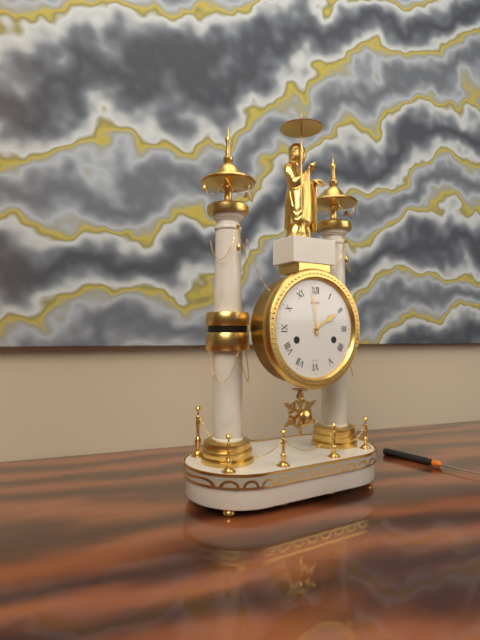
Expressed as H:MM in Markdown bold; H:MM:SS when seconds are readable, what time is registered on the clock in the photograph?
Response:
**1:59**
